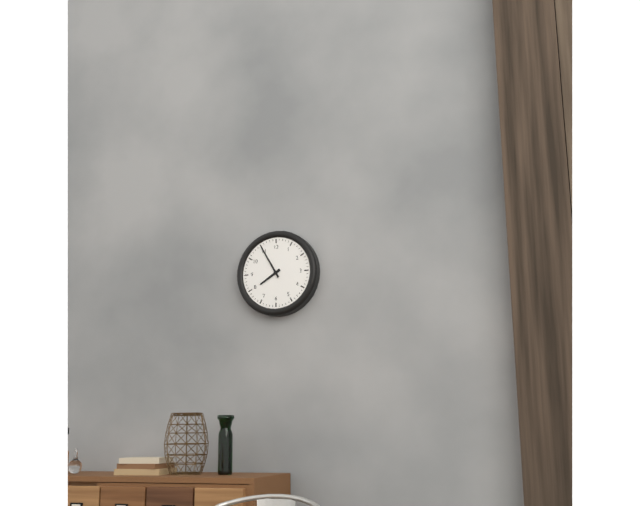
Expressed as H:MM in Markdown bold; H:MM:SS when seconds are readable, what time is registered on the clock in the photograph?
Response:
**7:55**
